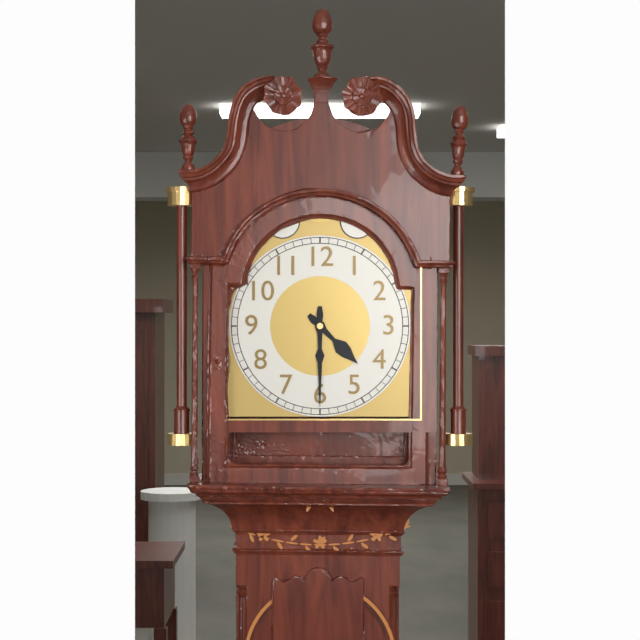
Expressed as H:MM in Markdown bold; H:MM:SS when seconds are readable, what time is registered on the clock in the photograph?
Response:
**4:30**
